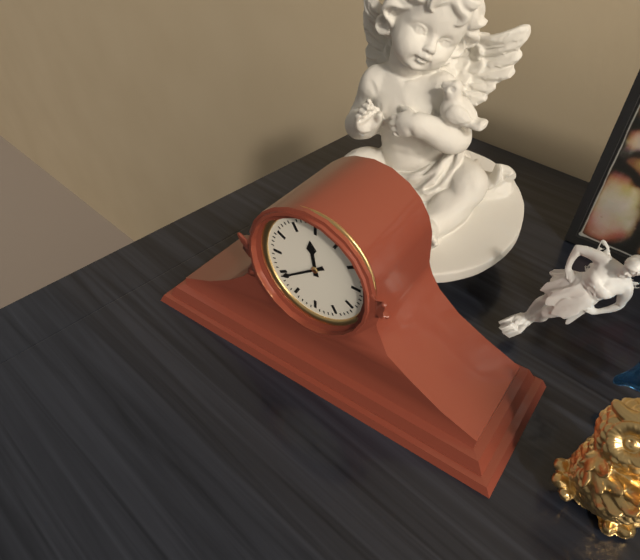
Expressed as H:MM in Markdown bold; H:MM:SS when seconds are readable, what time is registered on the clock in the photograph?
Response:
**11:39**
